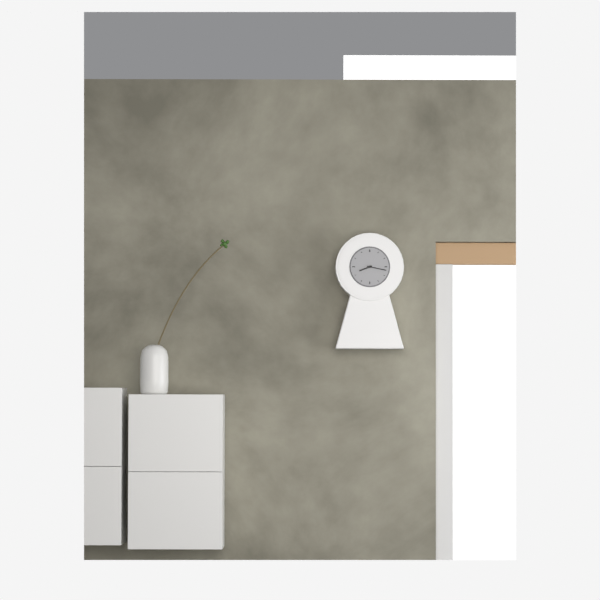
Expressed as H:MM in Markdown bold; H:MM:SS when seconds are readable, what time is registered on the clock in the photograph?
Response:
**8:17**
